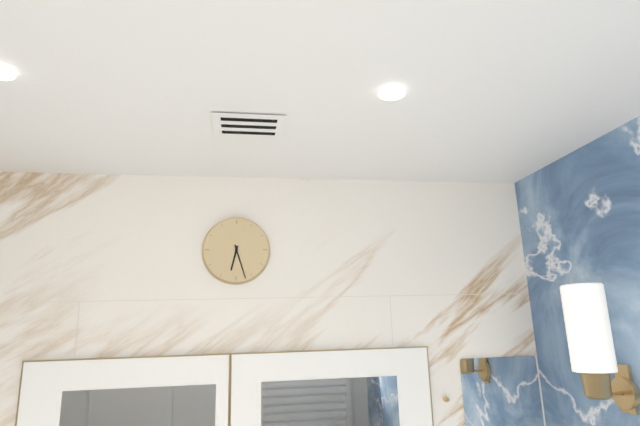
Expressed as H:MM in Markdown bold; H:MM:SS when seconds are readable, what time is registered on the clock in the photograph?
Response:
**6:27**
